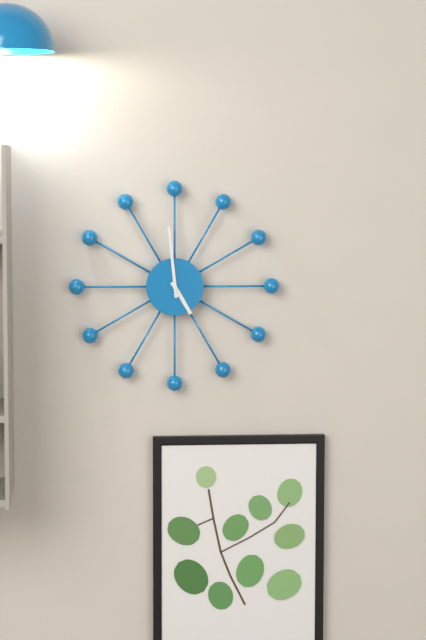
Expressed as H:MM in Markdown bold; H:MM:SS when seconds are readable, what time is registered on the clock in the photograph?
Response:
**4:59**
